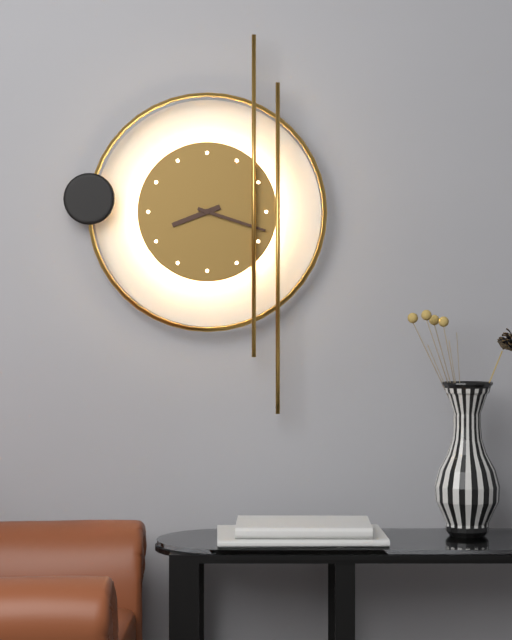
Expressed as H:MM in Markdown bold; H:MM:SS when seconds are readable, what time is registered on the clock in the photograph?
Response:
**8:18**
